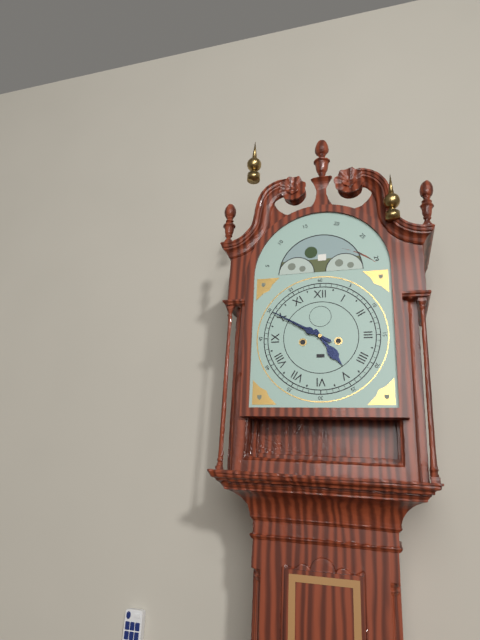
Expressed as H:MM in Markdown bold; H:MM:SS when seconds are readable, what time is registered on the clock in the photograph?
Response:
**4:50**
